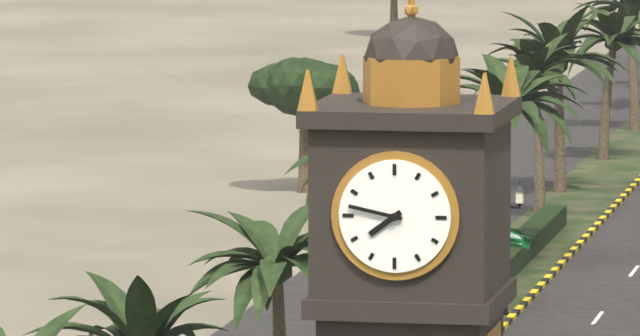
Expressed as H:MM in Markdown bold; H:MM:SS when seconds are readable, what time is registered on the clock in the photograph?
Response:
**7:47**
